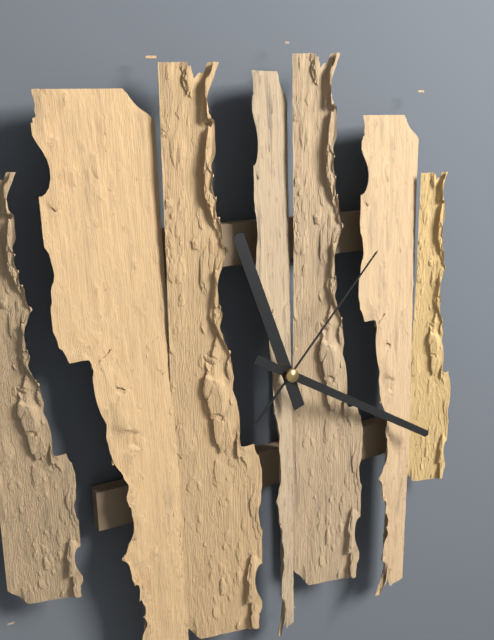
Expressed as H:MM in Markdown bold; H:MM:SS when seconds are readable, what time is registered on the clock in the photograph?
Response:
**11:20:07**
